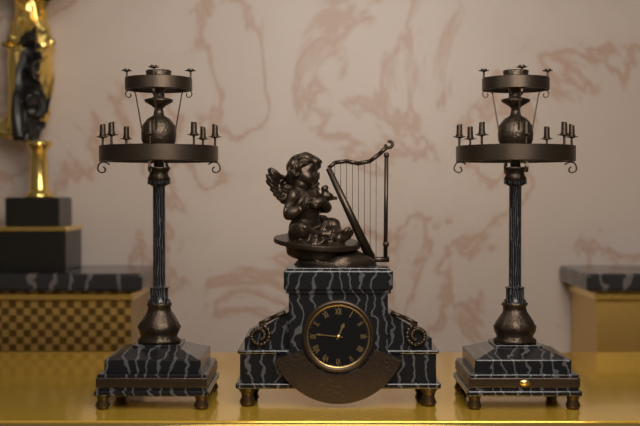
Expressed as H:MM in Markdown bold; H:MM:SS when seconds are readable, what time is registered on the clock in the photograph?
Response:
**12:46**
